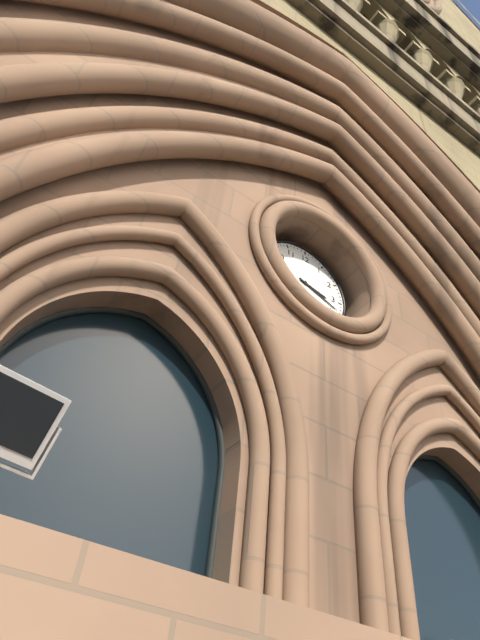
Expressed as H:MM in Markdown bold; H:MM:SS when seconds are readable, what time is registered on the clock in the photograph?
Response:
**3:18**
